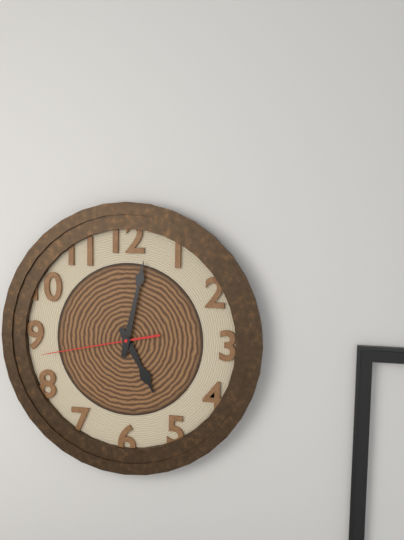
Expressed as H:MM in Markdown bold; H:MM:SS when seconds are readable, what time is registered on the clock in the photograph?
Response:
**5:02:43**
